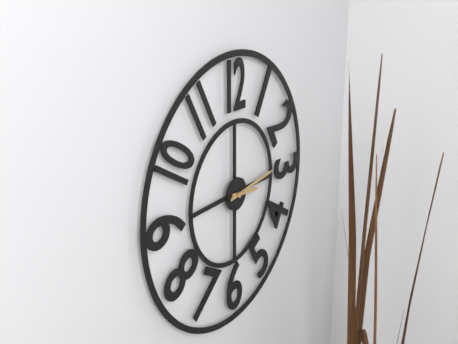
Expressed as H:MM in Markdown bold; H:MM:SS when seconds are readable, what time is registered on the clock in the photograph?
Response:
**3:14**
